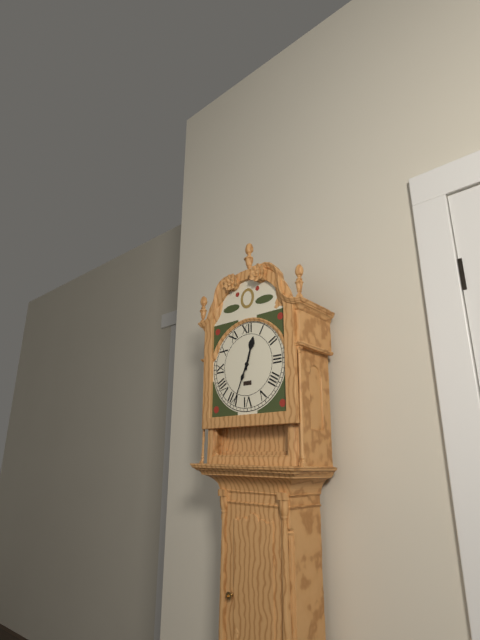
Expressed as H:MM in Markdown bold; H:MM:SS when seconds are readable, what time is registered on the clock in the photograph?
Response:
**12:34**
